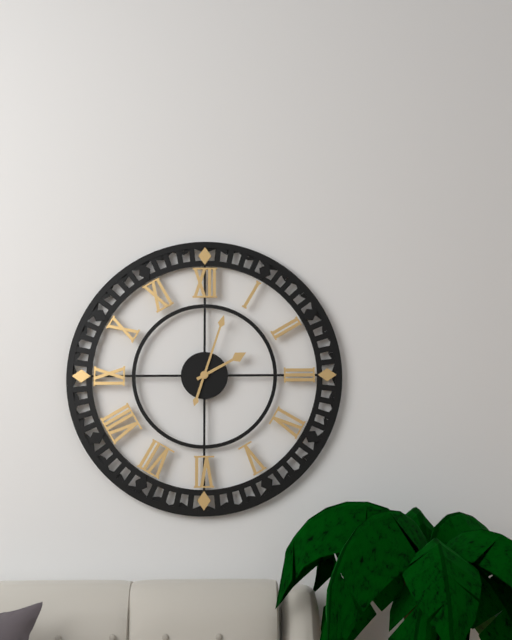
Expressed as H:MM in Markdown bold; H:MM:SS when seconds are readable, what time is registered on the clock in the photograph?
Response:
**2:03**
